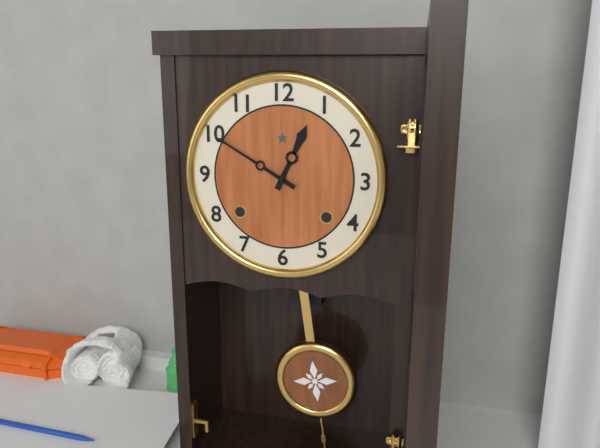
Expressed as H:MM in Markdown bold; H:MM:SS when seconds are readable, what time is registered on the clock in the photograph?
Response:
**12:50**
